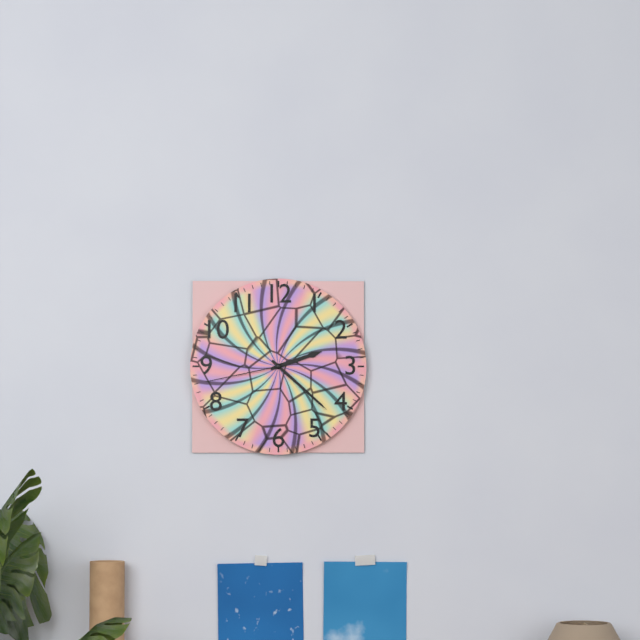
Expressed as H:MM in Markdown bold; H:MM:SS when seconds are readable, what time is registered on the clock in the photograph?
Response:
**2:22:43**
